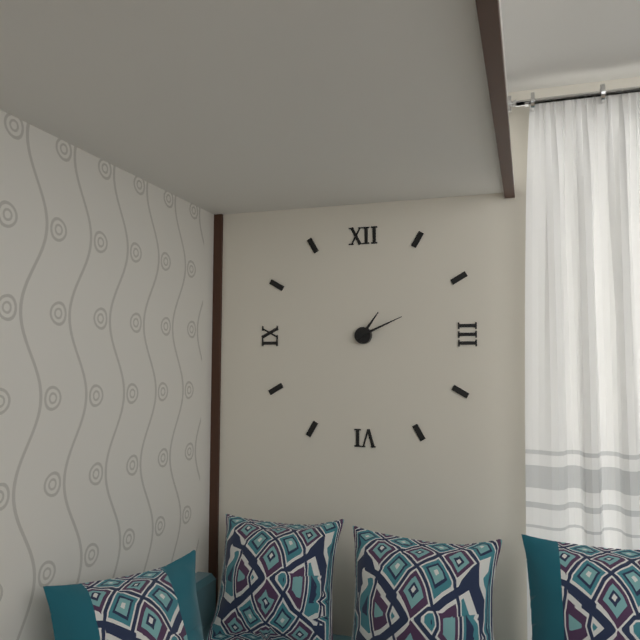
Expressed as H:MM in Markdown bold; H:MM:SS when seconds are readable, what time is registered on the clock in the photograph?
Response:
**1:11**
